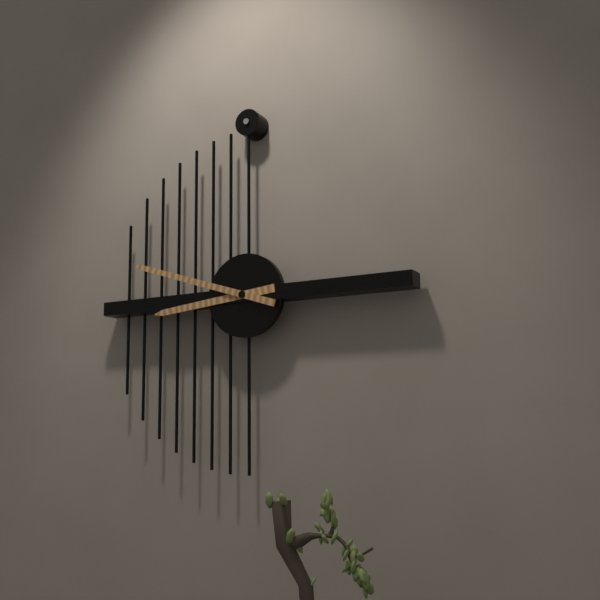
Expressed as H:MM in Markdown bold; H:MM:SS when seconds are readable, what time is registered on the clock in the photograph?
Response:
**8:48**
